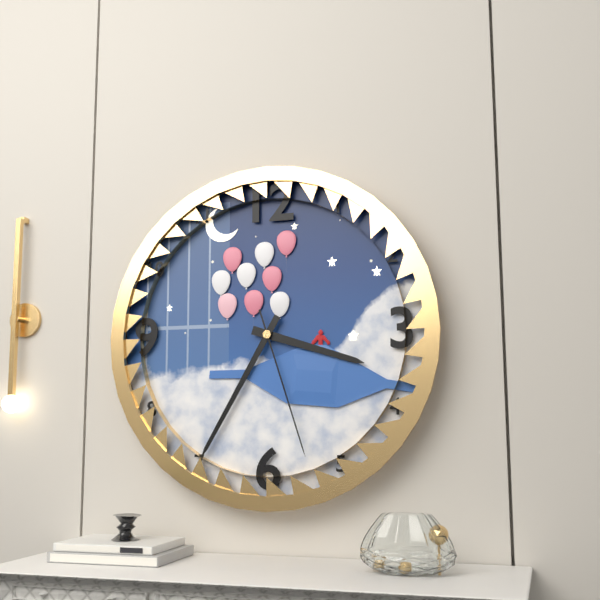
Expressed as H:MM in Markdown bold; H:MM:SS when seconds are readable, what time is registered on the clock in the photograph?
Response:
**3:35:27**
